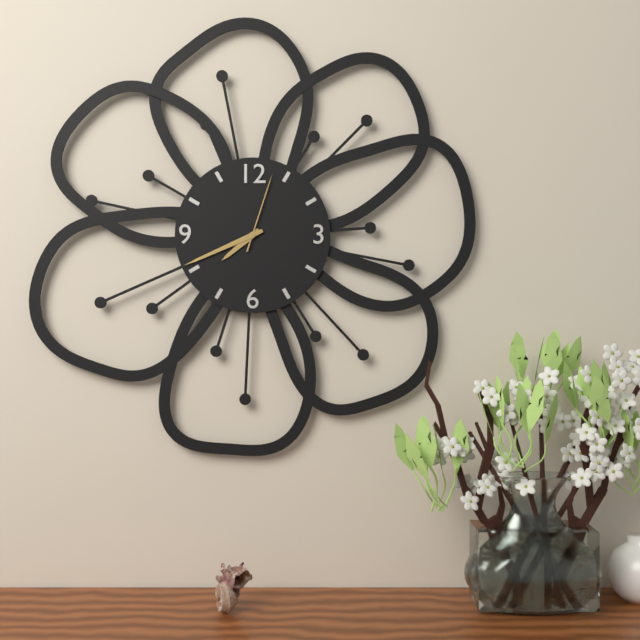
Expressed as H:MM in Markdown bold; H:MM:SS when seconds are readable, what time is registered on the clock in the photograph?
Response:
**7:41:03**
